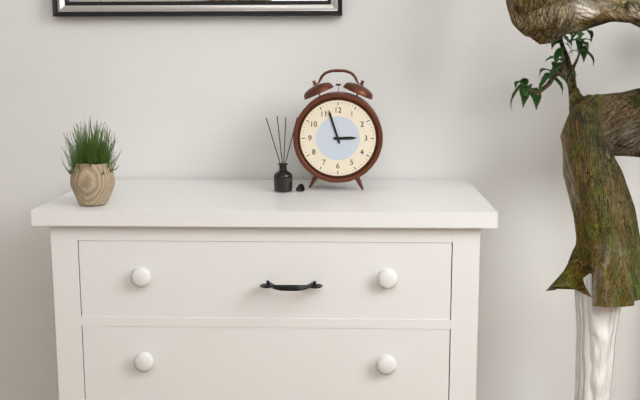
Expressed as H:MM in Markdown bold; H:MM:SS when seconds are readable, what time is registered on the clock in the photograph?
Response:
**2:57**
